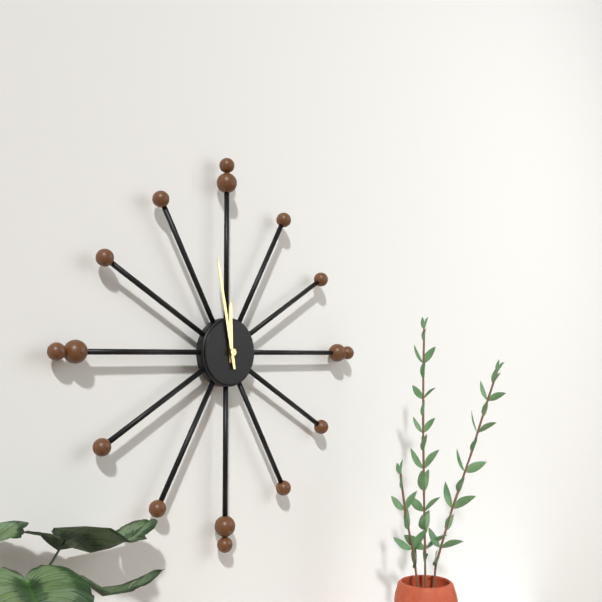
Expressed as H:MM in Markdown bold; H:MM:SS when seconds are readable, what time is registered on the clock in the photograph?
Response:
**11:58**
